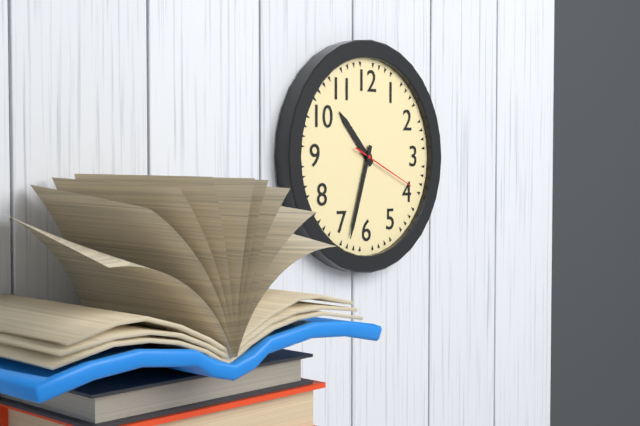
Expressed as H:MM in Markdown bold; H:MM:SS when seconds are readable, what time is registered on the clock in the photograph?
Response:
**10:33:19**
